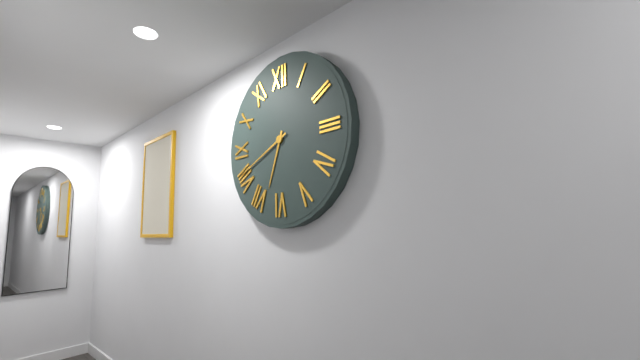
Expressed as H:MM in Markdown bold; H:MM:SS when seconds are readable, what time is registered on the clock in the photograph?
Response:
**6:41**
